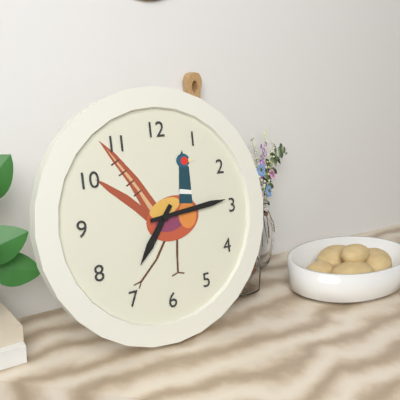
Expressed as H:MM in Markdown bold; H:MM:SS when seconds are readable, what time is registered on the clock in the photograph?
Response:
**7:14**
